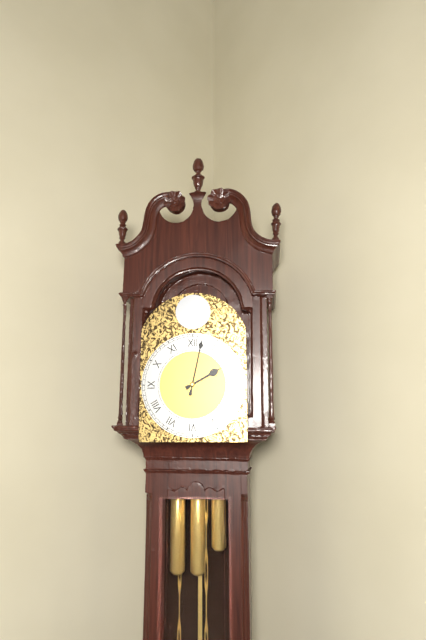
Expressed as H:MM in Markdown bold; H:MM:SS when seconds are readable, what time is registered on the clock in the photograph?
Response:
**2:02**
